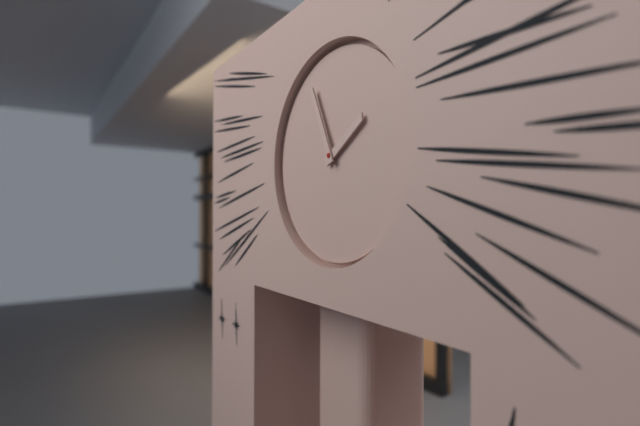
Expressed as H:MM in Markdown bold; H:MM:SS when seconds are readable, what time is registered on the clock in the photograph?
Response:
**1:56**
